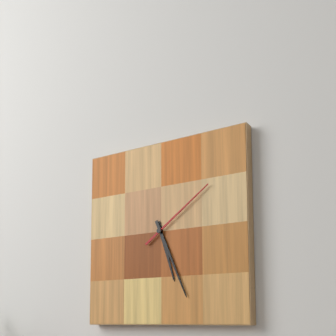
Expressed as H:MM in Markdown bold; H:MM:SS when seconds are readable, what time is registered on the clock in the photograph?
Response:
**5:26:09**
